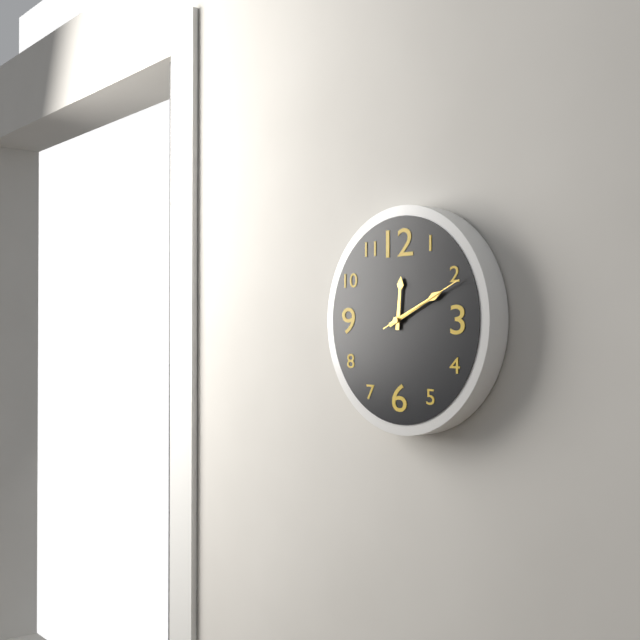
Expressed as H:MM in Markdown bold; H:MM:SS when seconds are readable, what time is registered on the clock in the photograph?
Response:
**12:11:11**
